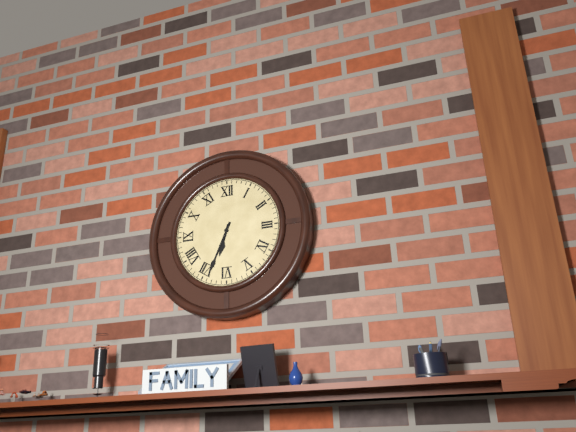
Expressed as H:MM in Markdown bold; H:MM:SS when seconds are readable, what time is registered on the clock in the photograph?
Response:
**6:34**
